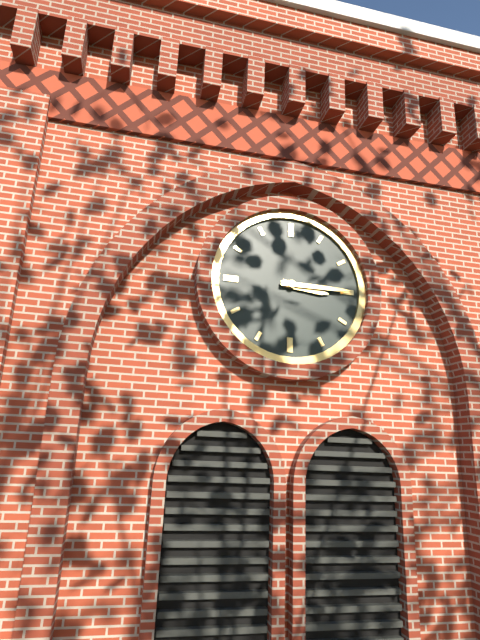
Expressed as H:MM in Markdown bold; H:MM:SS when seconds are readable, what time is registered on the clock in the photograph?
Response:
**3:15**
